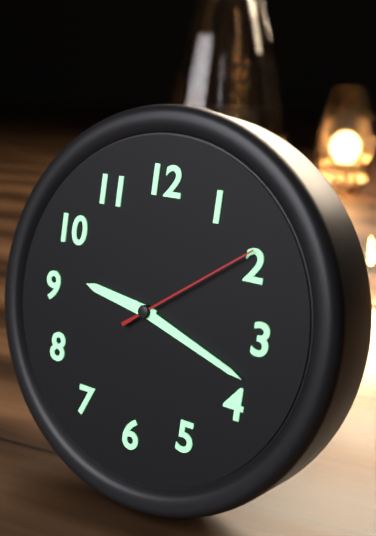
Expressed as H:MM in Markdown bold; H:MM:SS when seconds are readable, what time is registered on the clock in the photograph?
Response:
**9:18:09**
